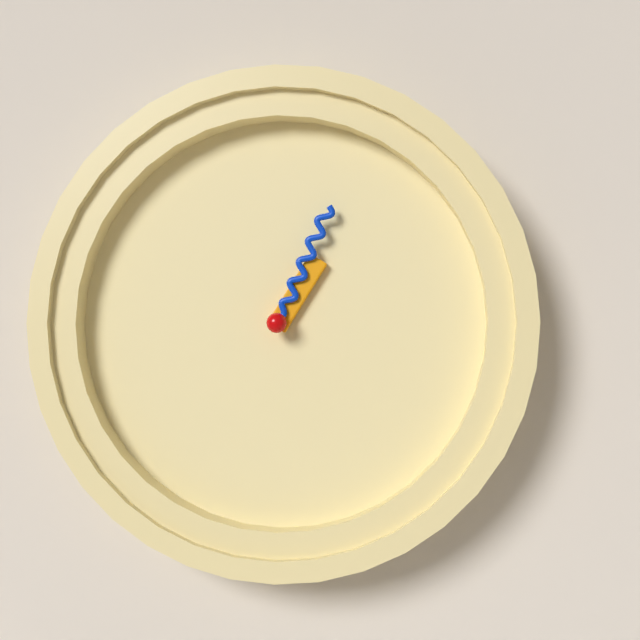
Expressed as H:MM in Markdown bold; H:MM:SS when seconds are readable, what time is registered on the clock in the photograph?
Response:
**1:04**
